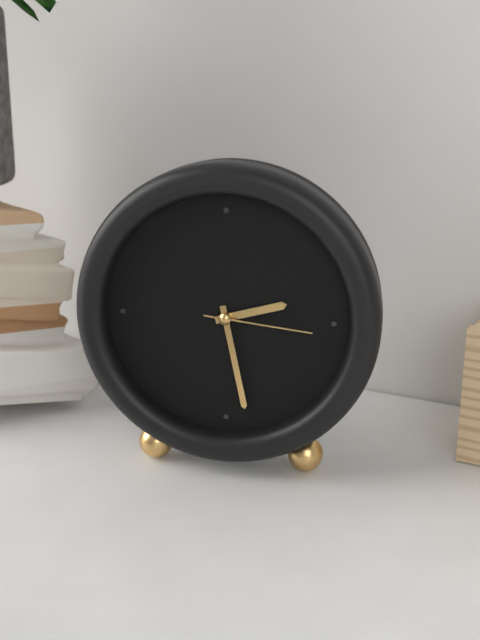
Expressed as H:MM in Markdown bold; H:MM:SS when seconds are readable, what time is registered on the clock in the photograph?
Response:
**2:28:16**
